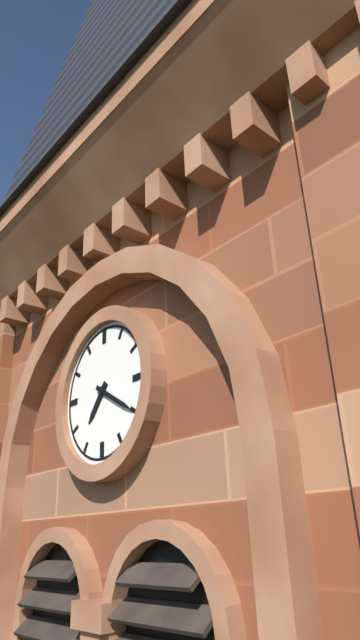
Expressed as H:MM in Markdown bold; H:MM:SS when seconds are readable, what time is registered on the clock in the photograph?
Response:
**7:20**
